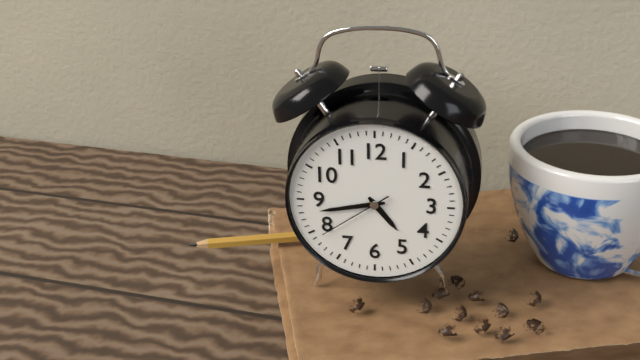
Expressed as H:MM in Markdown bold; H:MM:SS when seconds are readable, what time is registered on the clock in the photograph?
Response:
**4:43:39**
